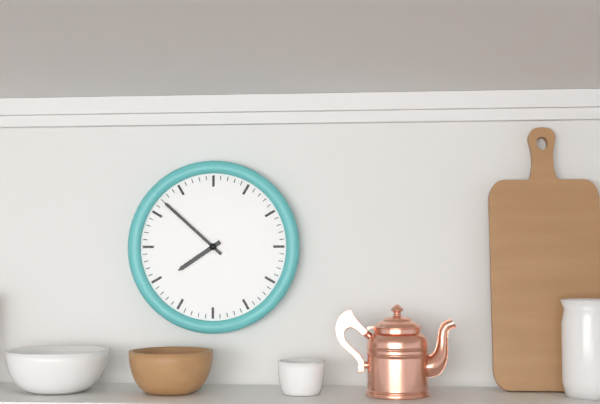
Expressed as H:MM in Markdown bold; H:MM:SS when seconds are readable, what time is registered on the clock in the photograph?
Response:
**7:52**
